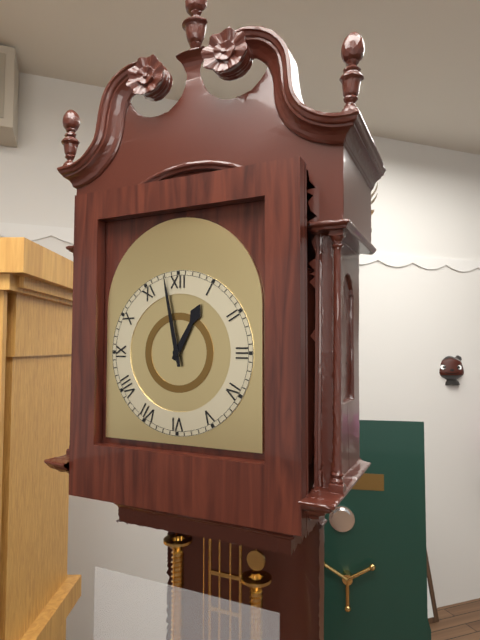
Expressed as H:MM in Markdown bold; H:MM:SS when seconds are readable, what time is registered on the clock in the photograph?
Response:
**12:58**
